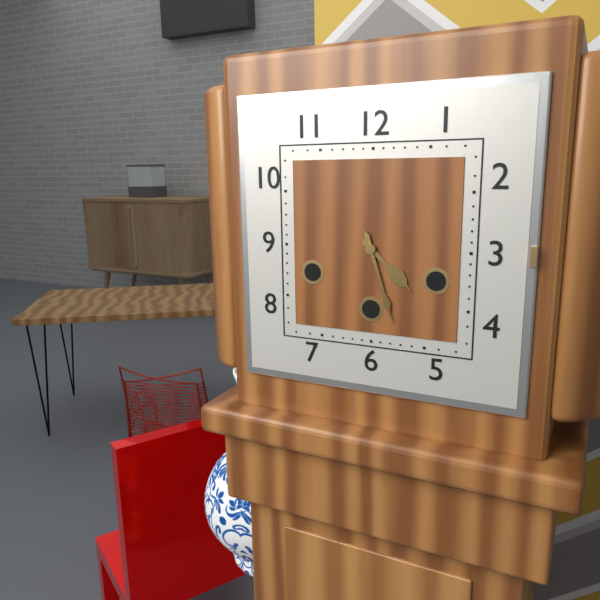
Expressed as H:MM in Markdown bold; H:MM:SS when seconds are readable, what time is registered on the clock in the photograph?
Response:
**4:27**
